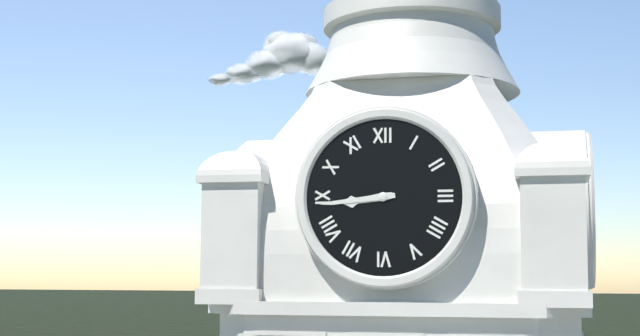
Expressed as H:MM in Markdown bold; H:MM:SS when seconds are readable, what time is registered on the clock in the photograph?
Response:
**8:44**
